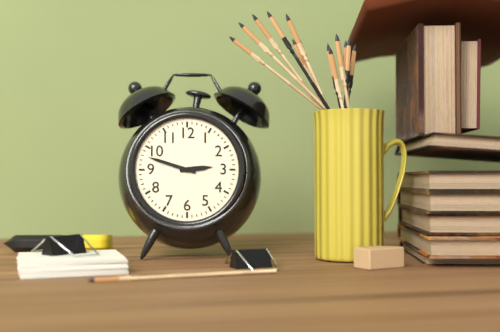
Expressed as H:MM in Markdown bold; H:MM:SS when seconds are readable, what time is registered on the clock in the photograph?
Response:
**2:48**
